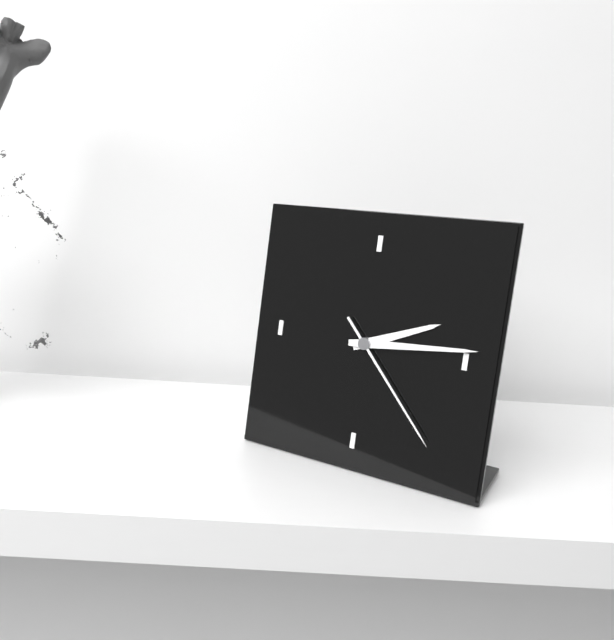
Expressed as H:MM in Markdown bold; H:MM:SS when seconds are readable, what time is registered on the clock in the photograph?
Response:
**2:14:23**
